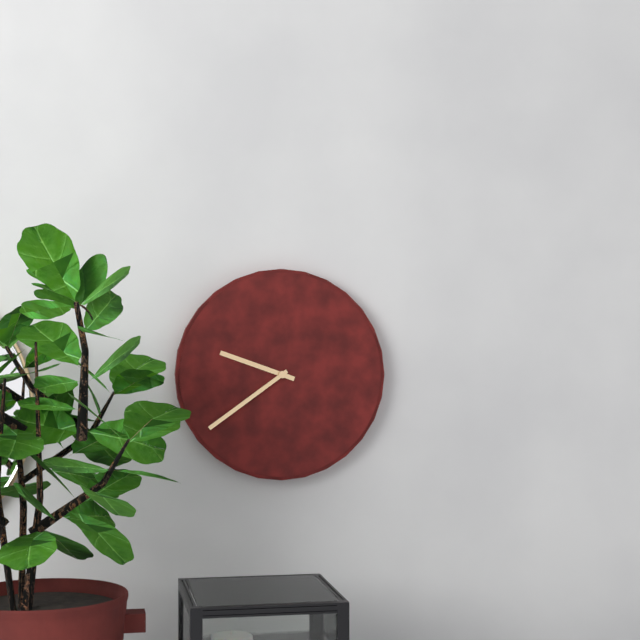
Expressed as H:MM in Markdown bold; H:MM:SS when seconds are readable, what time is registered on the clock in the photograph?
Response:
**9:39**
